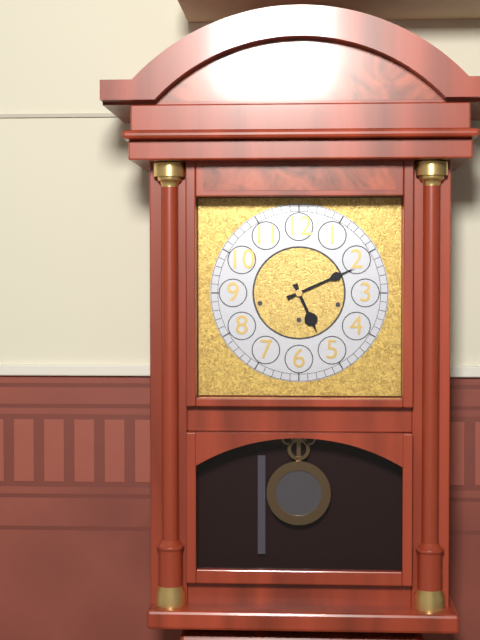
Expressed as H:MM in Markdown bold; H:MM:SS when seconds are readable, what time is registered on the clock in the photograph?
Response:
**5:11**
